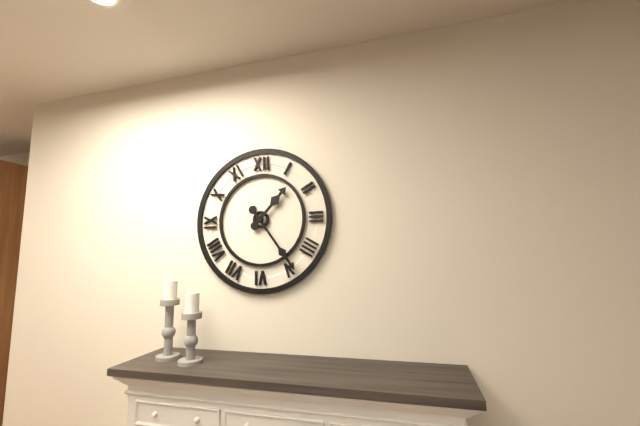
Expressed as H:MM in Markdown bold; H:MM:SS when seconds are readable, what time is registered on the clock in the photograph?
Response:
**1:24**
